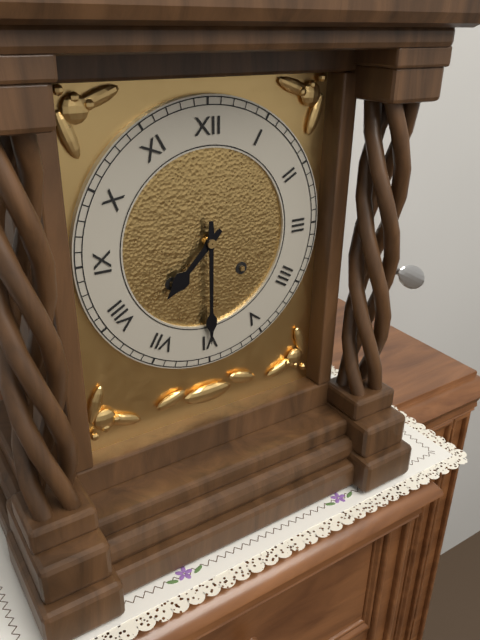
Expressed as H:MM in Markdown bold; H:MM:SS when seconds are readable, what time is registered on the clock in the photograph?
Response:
**7:30**
